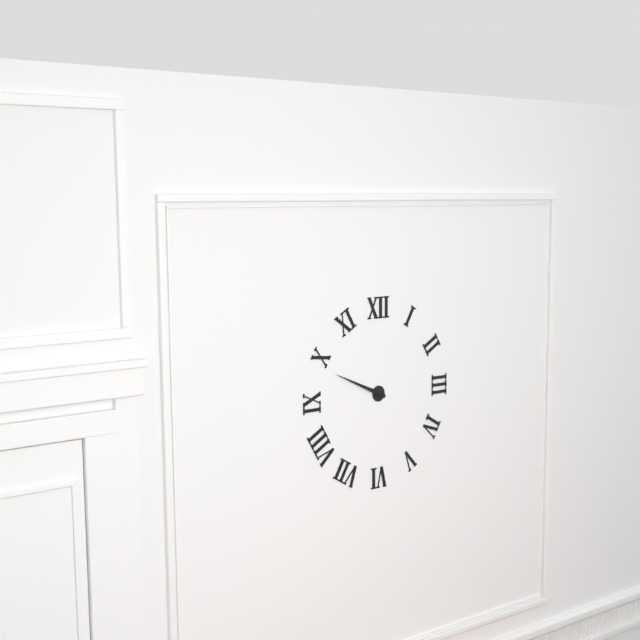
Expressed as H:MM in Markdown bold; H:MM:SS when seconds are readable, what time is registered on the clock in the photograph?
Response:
**9:49**
